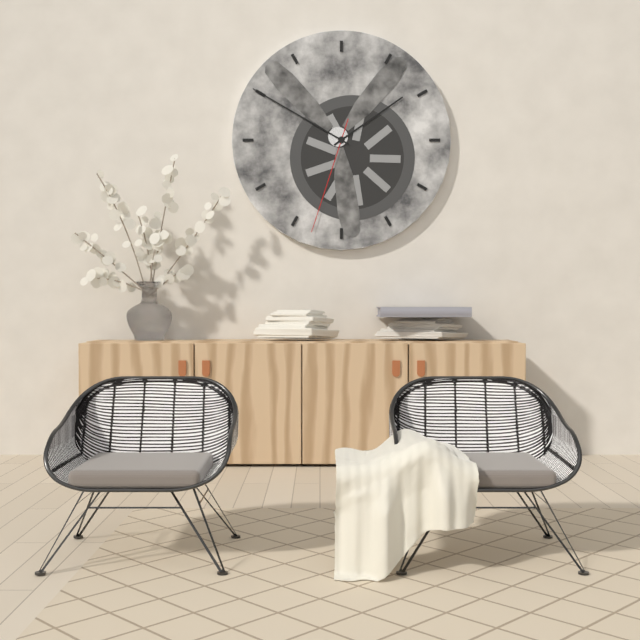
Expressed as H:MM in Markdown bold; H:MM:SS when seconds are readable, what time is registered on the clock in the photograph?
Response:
**1:50:33**
